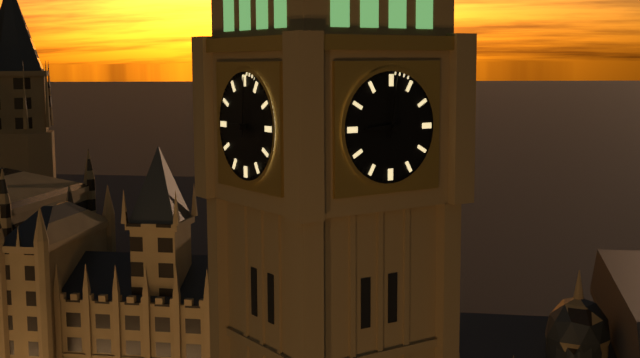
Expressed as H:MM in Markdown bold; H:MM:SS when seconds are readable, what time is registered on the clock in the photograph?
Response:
**9:01**
